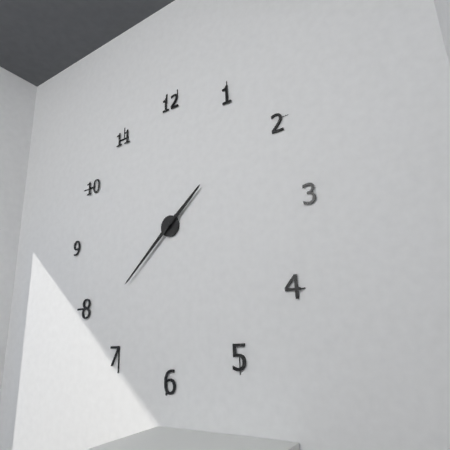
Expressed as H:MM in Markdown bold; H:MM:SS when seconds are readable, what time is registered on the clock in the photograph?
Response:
**1:38**
